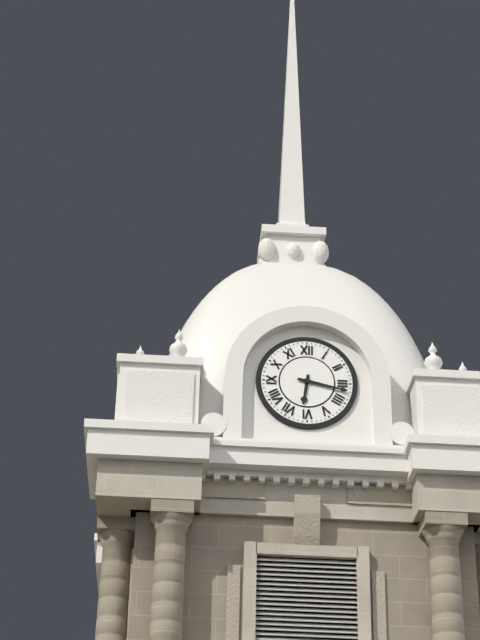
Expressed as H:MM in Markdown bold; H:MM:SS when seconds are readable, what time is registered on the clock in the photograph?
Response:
**6:17**
